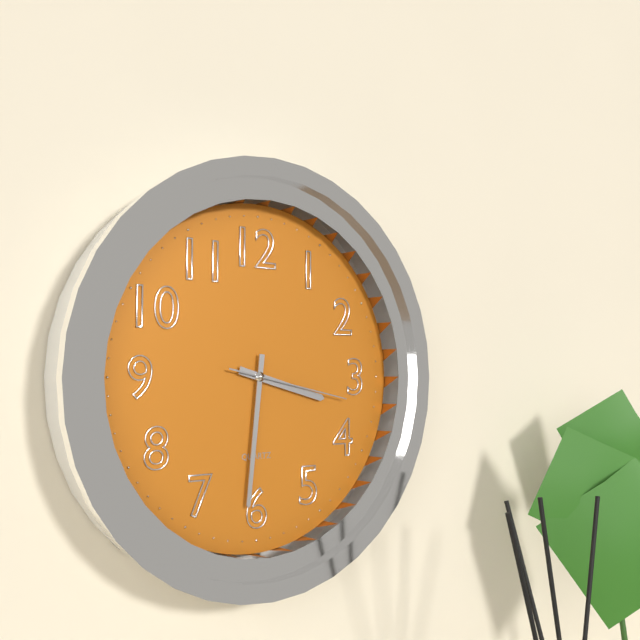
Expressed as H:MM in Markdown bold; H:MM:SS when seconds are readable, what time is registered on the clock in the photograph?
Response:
**3:31:17**
